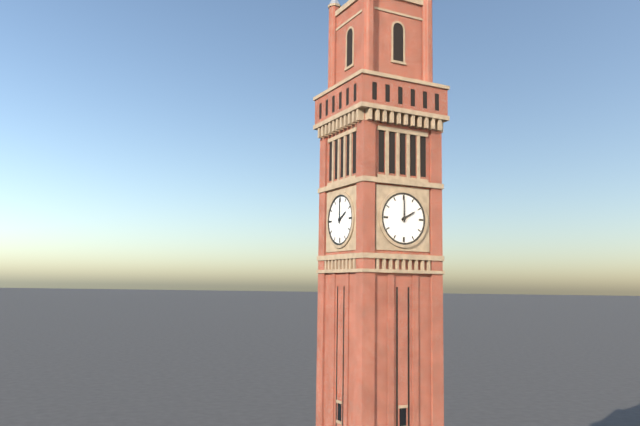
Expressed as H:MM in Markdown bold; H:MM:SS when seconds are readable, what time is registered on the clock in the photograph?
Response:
**2:00**
